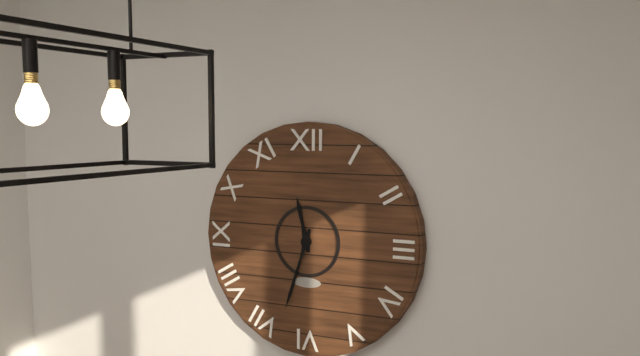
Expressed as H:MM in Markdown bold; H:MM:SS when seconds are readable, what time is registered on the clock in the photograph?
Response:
**11:33**
